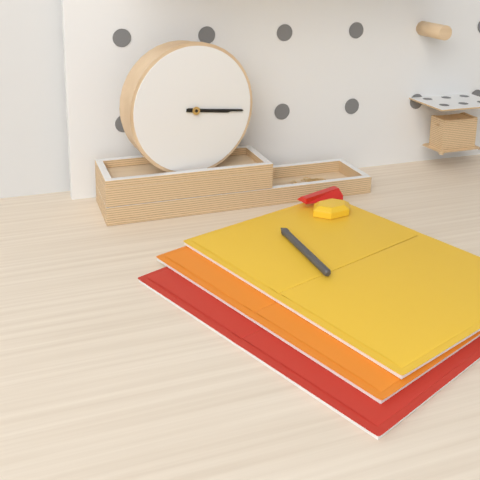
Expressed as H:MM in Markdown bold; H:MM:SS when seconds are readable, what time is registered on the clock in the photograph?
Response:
**3:16**
